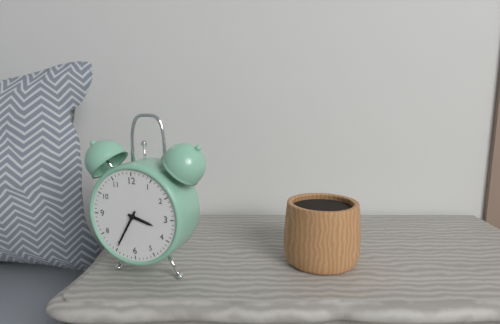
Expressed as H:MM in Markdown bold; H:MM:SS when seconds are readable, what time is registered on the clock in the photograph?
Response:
**3:35**
